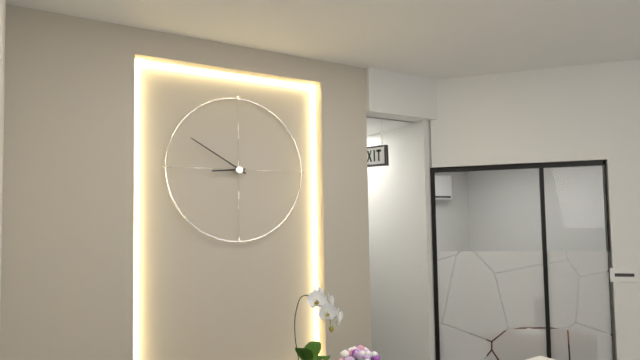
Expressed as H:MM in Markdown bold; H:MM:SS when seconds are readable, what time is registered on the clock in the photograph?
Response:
**8:50**
